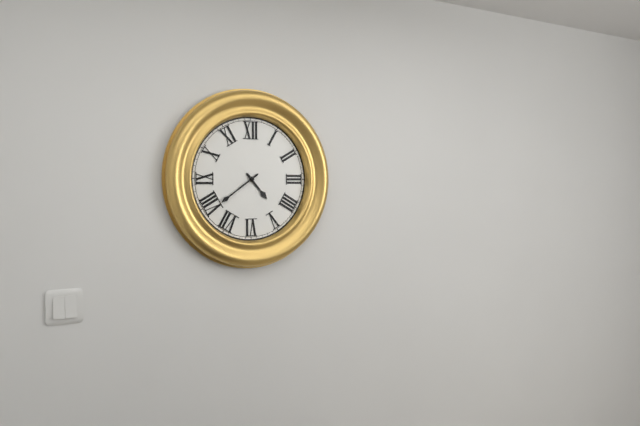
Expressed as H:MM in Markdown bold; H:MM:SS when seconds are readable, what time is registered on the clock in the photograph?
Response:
**4:39**
